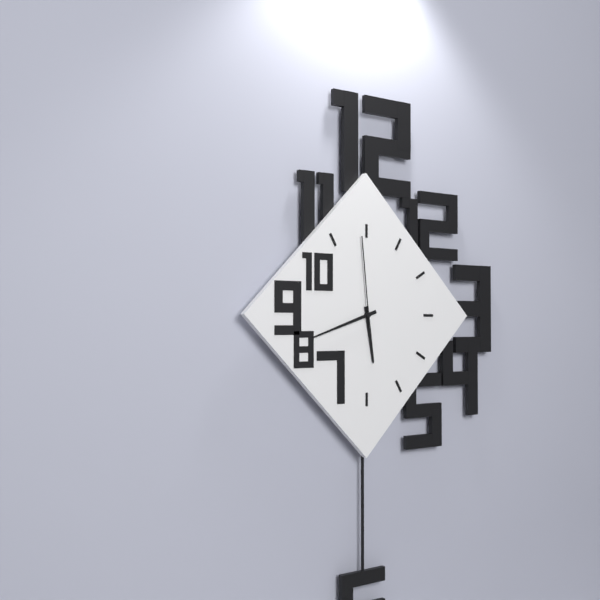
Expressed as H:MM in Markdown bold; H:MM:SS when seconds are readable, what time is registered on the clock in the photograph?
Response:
**5:42:59**
